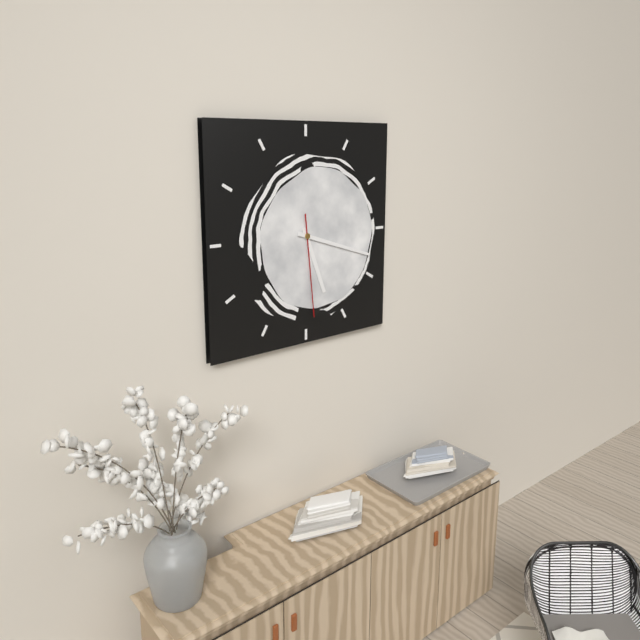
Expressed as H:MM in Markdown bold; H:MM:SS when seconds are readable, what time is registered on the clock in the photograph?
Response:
**5:18:29**
